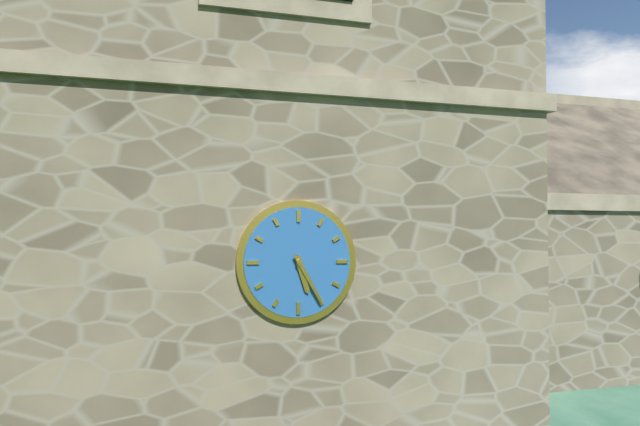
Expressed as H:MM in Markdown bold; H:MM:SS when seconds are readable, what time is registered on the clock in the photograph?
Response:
**5:25**
